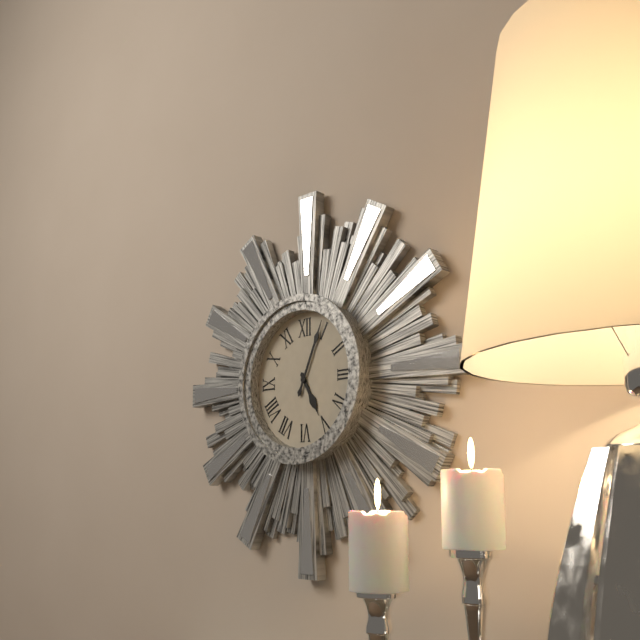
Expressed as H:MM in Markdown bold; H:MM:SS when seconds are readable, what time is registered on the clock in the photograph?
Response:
**5:04**
